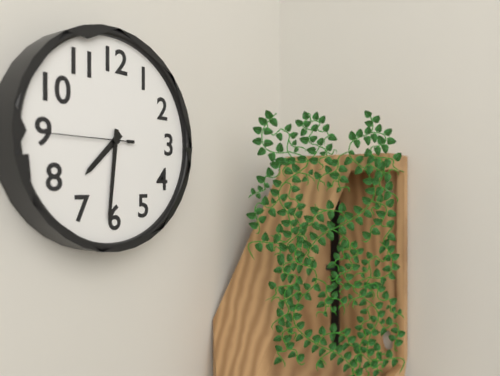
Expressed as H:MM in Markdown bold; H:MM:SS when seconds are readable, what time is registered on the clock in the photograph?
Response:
**7:31:45**
